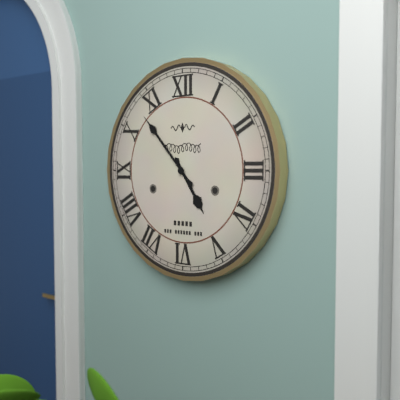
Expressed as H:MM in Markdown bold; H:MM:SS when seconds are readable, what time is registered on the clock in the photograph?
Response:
**4:53**
